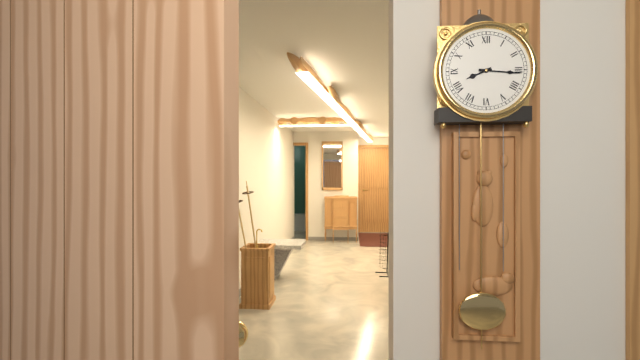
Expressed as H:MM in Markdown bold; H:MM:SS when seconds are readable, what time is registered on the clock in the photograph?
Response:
**8:16**
